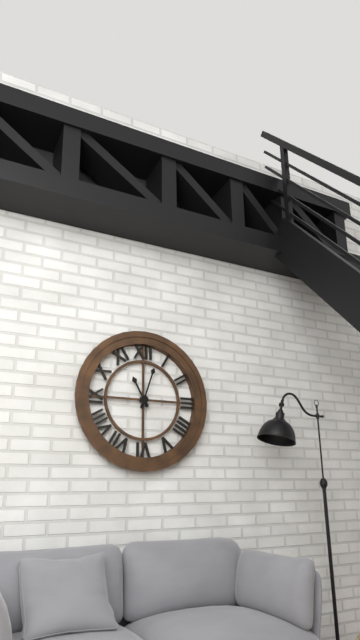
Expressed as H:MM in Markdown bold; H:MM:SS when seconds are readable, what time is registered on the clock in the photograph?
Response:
**11:03**
